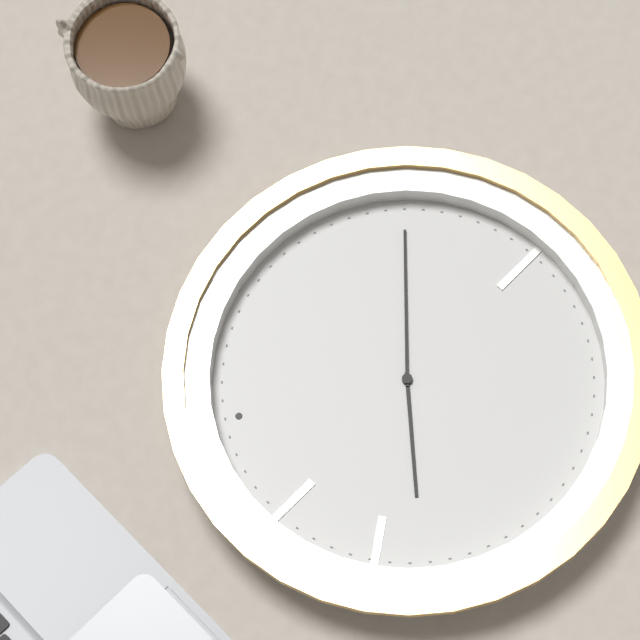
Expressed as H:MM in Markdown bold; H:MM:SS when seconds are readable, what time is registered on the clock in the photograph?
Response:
**9:17**
